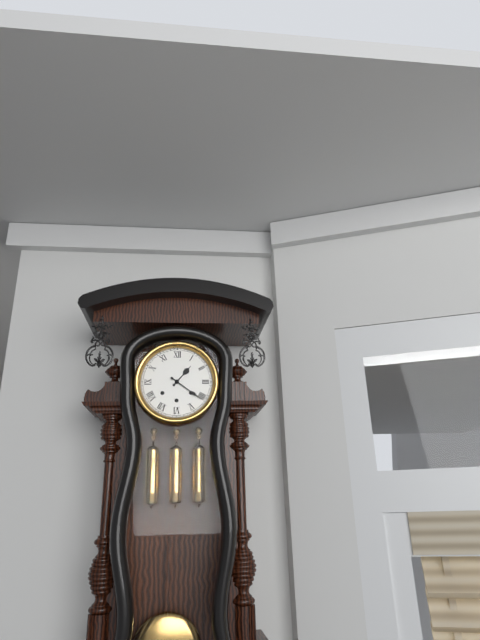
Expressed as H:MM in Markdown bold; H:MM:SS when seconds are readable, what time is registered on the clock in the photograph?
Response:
**1:21**
